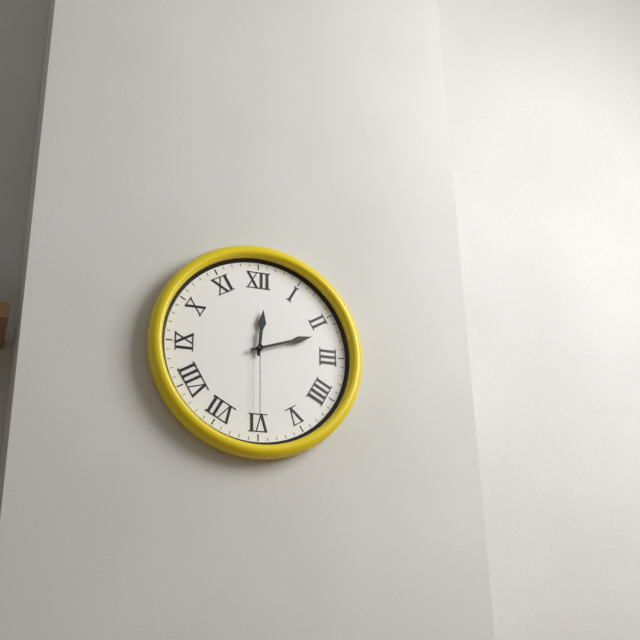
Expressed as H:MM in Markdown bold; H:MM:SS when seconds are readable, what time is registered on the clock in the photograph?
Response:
**12:12:30**
